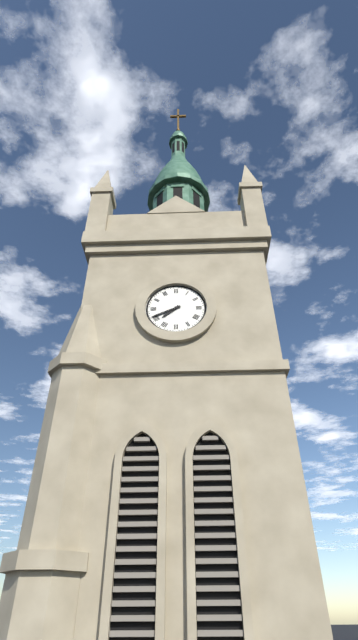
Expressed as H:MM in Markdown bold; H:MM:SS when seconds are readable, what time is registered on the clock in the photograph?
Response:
**7:41**
